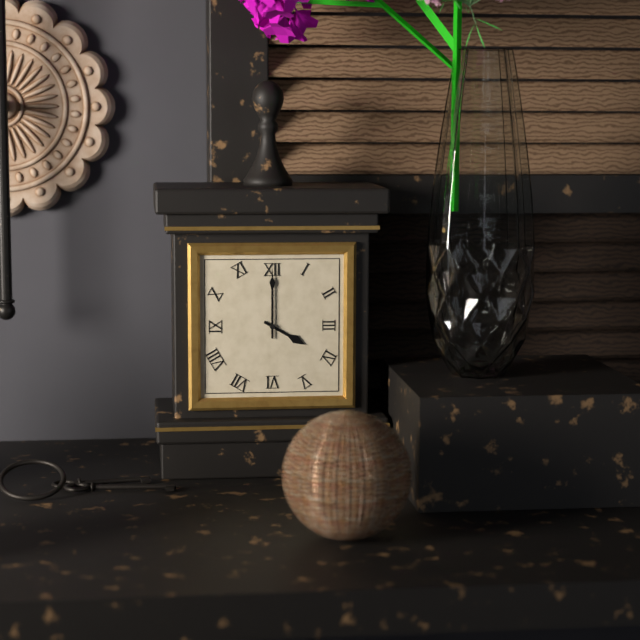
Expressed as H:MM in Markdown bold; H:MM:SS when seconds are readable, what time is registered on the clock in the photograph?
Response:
**4:00**
